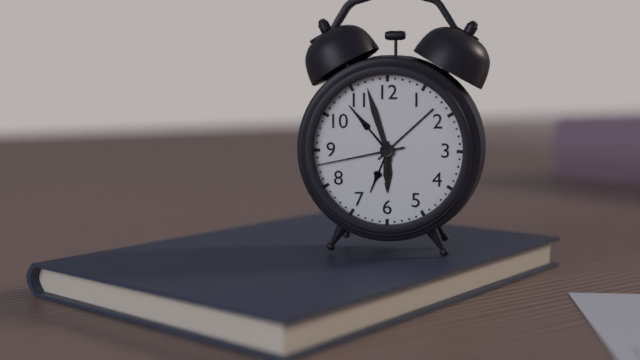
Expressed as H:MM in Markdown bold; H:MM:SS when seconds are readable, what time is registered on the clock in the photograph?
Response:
**5:57:43**
